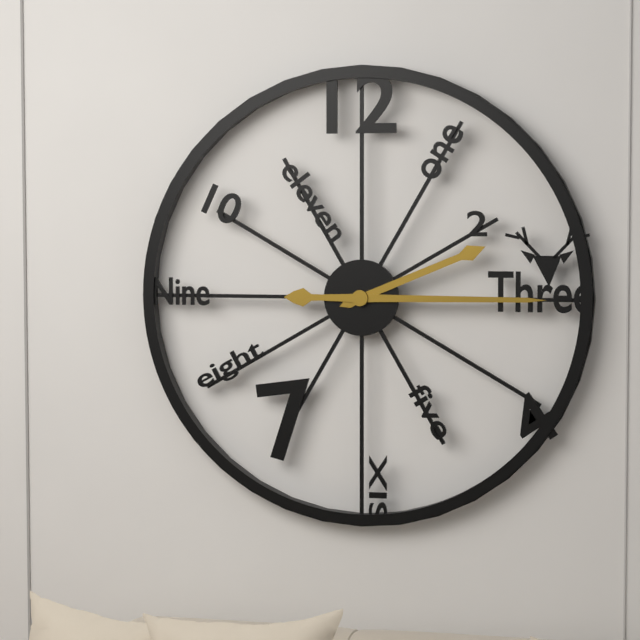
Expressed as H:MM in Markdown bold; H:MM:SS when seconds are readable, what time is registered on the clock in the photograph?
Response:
**2:15**
